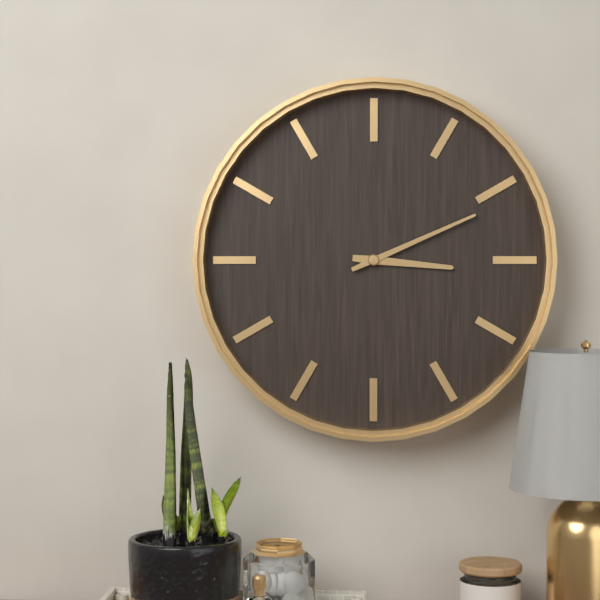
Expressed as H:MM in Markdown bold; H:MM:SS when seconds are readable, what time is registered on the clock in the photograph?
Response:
**3:11**
